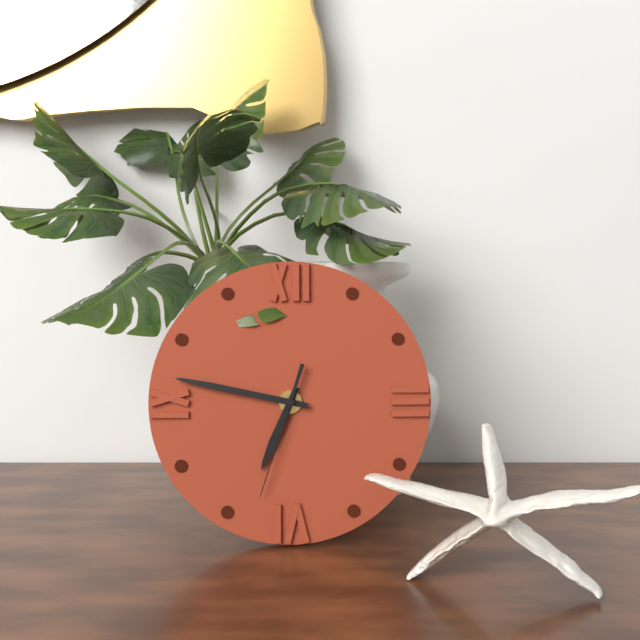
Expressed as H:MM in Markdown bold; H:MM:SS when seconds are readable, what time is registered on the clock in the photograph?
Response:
**6:47:33**
